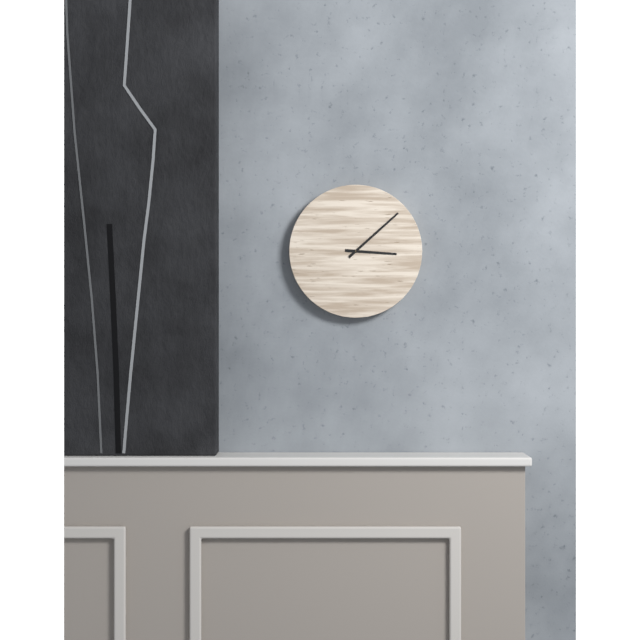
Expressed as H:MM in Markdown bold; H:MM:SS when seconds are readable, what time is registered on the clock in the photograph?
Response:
**3:08**
